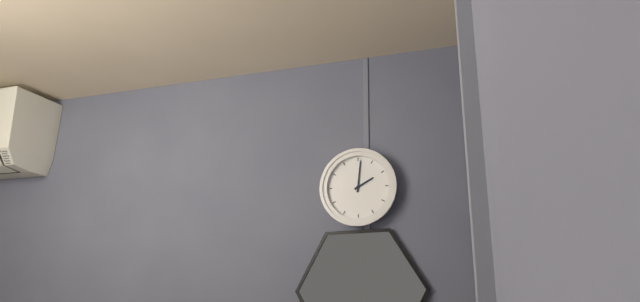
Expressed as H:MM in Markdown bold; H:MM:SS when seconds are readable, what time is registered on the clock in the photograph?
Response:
**2:01**
